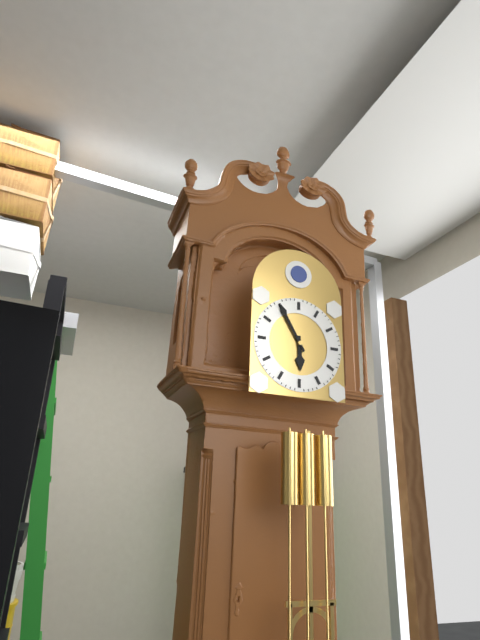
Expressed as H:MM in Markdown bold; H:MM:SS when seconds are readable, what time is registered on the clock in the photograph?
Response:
**5:55**
